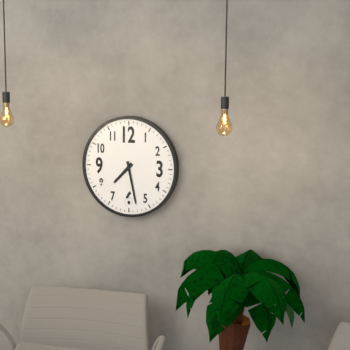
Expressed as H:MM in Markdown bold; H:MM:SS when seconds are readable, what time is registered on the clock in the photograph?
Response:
**7:28**
